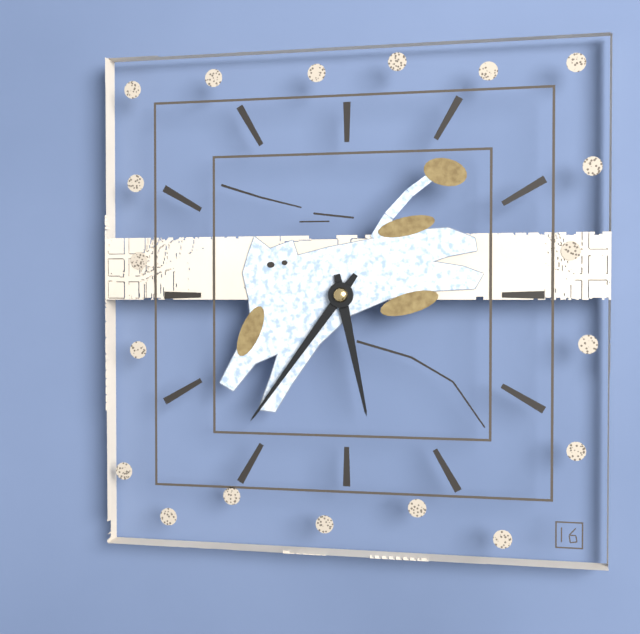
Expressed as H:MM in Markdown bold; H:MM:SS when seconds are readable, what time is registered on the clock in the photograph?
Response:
**5:36**
